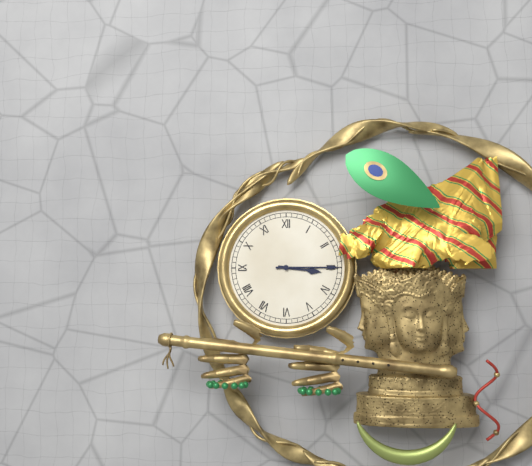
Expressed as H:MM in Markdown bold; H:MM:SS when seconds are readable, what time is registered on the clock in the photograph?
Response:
**3:15**
